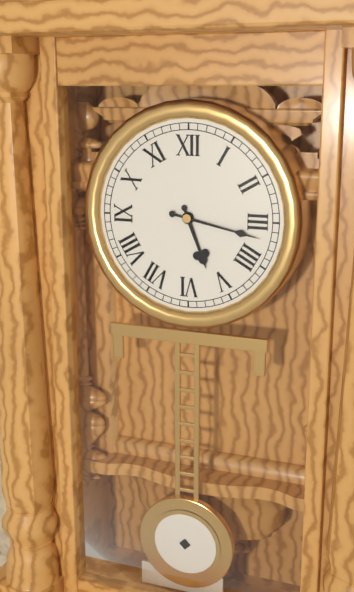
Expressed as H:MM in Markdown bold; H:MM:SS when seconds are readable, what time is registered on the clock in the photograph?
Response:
**5:17**
